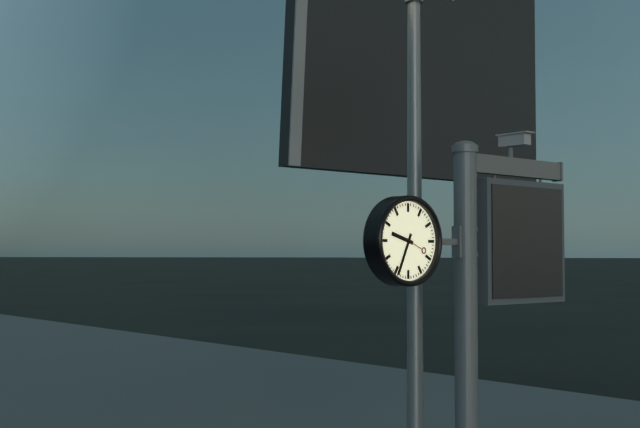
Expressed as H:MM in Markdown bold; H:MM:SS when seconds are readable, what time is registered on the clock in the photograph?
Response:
**9:34**
